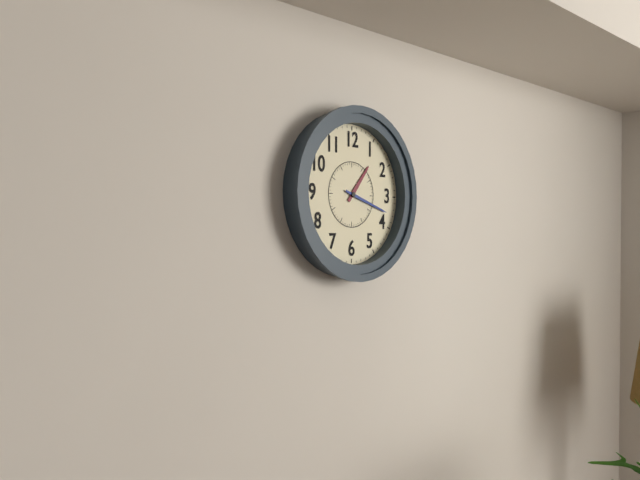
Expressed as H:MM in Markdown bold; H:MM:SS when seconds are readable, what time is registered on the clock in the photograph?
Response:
**1:18**
